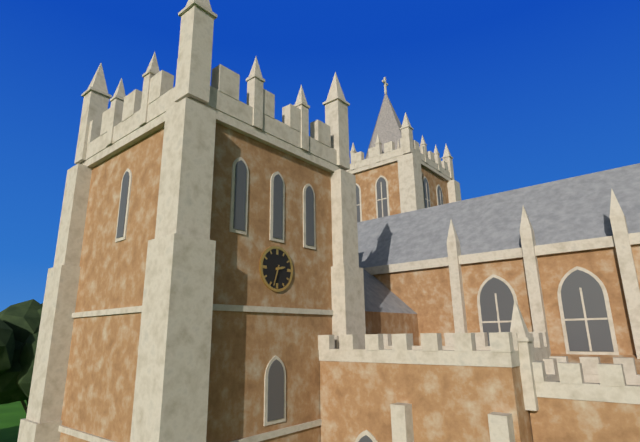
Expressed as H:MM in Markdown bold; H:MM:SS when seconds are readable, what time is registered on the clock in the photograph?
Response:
**2:33**
